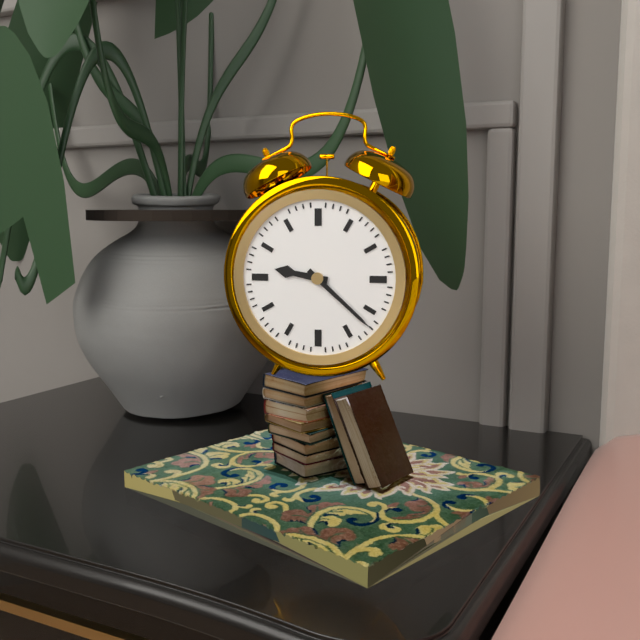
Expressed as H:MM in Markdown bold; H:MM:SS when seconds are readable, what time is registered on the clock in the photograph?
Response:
**9:22**
